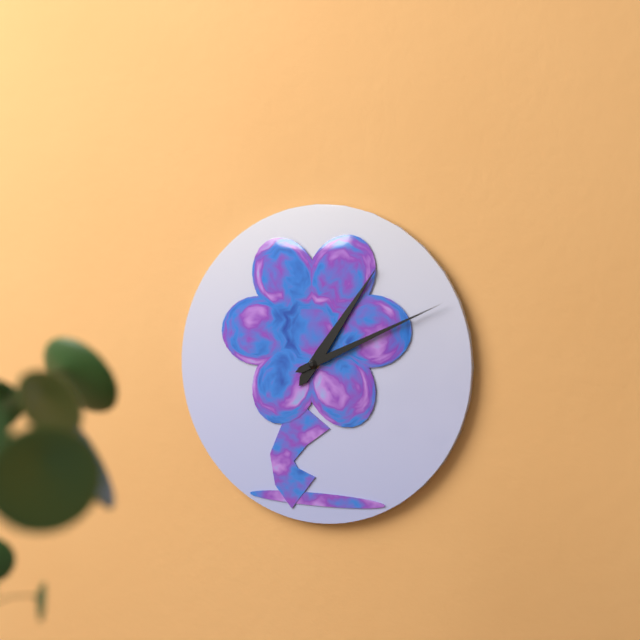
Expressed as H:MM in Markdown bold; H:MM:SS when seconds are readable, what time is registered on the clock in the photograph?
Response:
**1:11**
